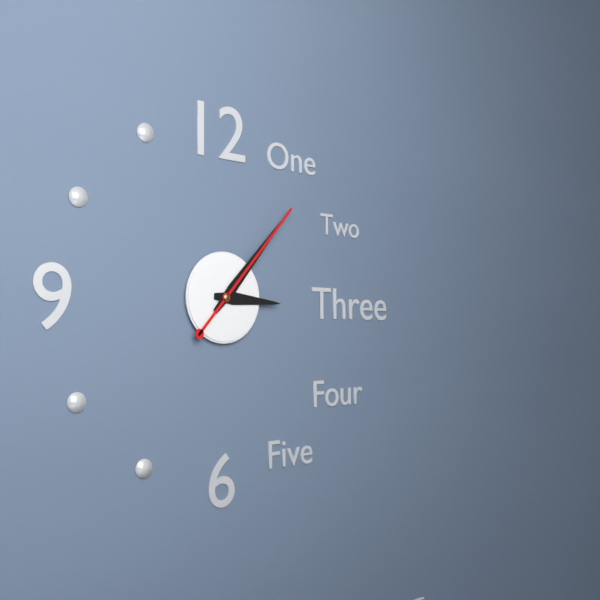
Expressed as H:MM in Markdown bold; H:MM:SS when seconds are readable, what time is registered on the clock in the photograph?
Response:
**3:07:07**
